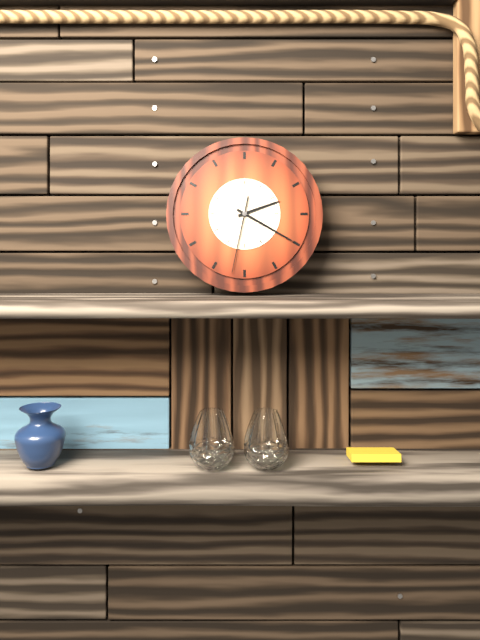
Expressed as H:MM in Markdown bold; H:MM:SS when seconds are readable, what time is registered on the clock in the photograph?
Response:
**2:20:32**
